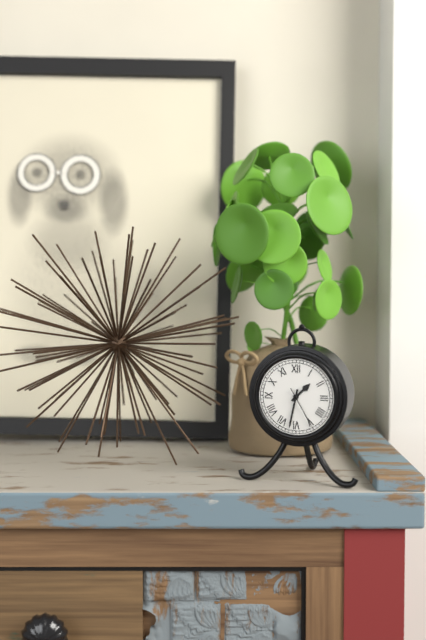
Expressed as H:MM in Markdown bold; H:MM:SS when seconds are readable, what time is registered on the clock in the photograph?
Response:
**1:32**
